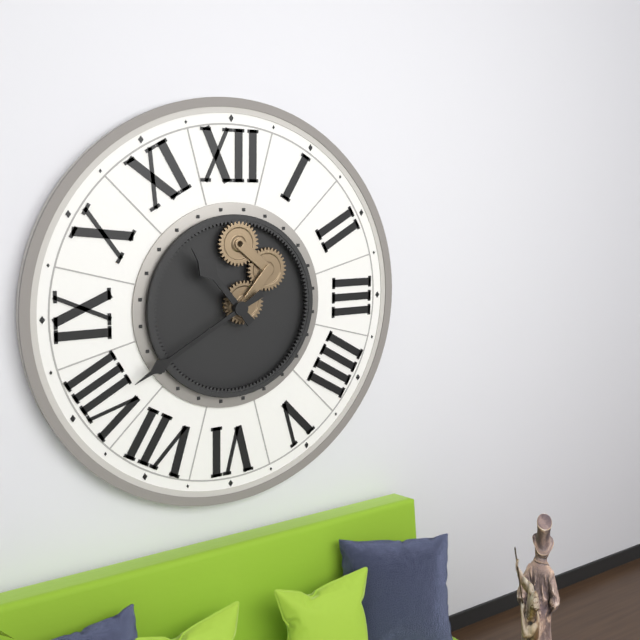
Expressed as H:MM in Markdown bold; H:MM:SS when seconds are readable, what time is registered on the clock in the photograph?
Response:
**10:40**
